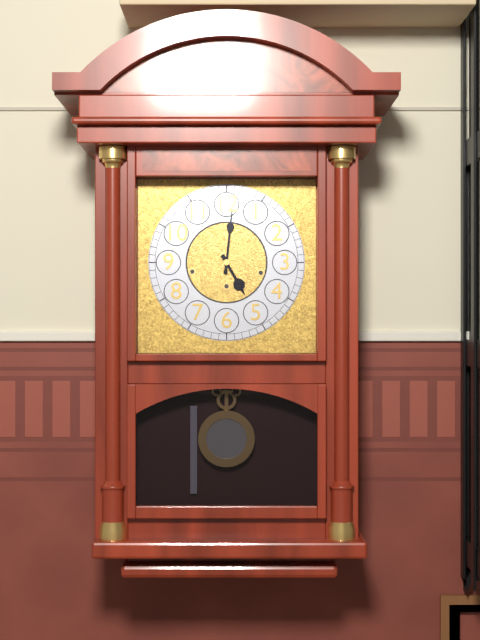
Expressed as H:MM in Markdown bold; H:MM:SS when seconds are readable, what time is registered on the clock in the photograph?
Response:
**5:01**
